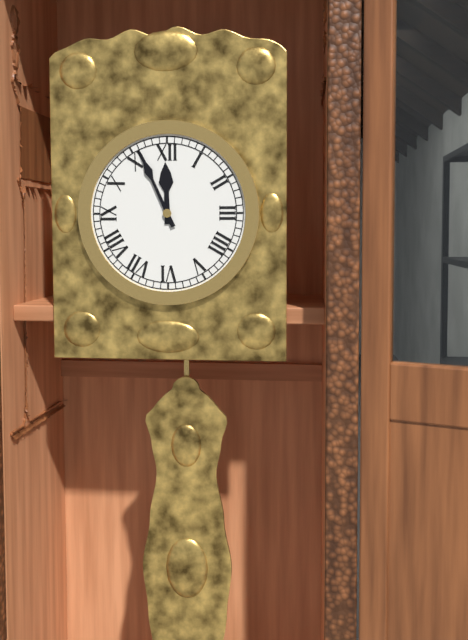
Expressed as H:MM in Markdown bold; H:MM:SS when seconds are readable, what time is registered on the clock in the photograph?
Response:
**11:56**
